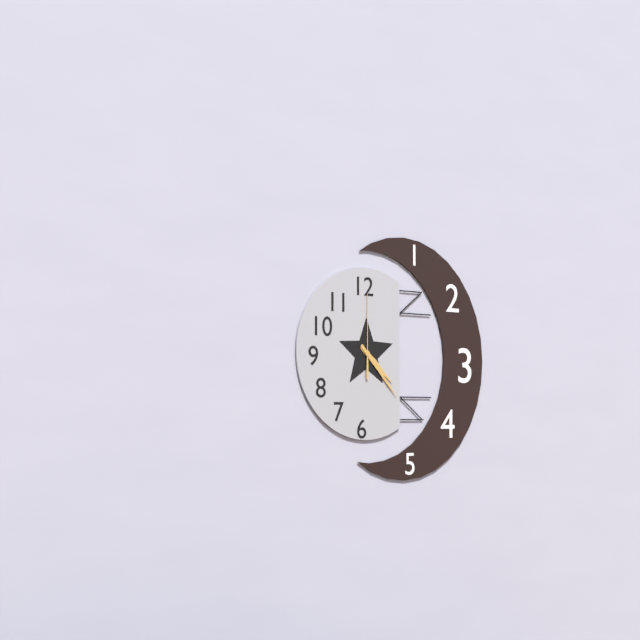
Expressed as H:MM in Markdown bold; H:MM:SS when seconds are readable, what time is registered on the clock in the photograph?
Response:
**4:23:00**
